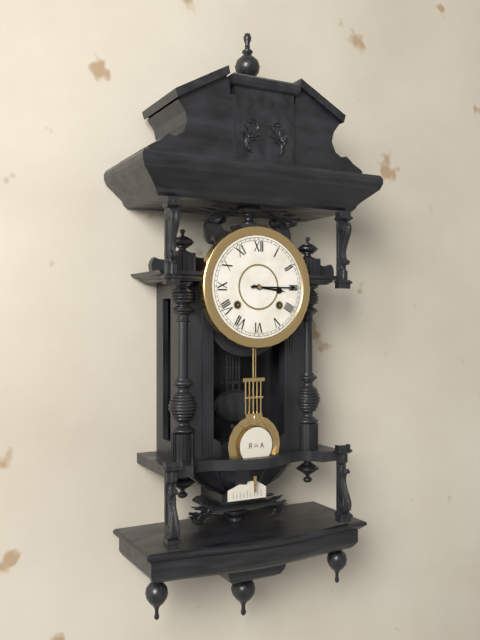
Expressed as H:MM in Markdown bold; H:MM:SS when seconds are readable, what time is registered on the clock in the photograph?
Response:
**3:15**
